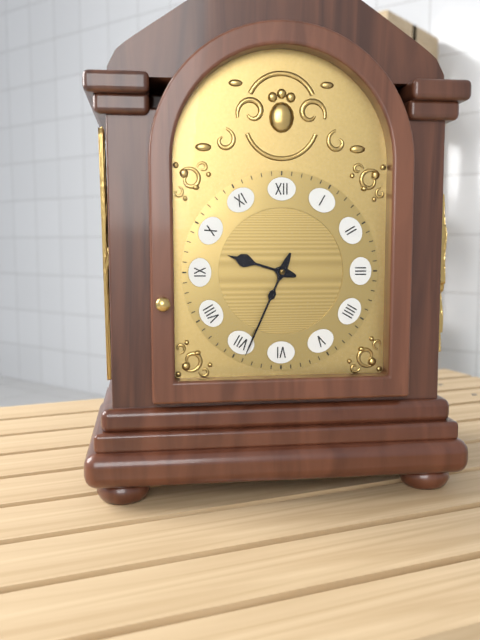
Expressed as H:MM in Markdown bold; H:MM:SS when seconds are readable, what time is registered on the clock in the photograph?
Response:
**9:34**
